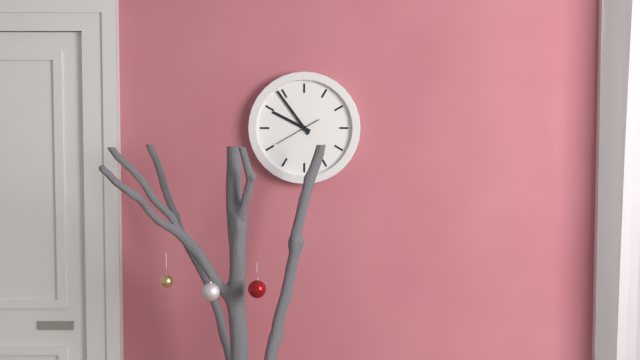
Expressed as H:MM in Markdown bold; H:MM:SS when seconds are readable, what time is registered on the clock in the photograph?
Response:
**9:54**
